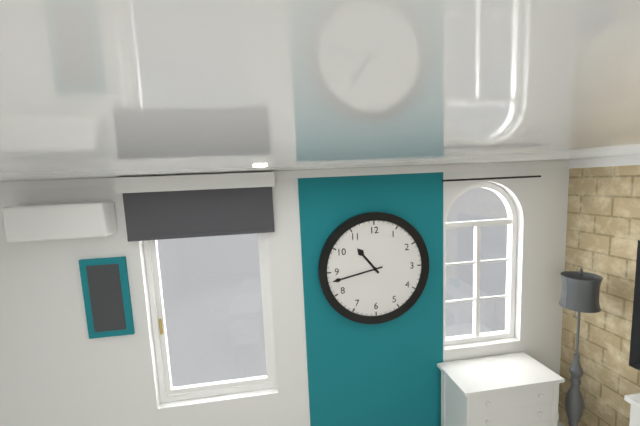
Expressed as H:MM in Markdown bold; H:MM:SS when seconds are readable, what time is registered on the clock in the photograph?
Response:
**10:43**
